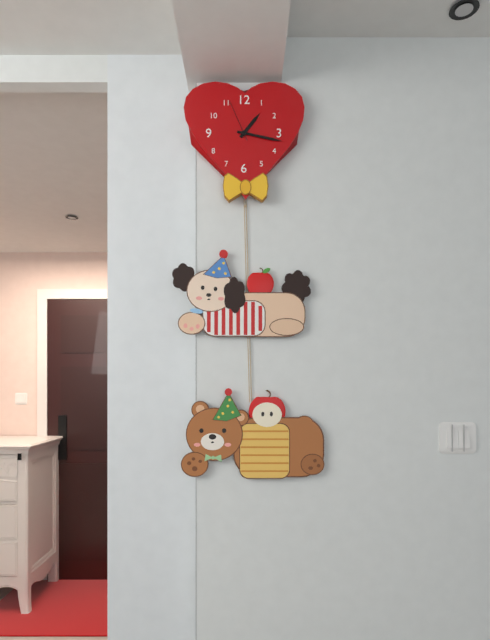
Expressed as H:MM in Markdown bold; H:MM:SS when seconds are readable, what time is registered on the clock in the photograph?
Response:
**1:17**
